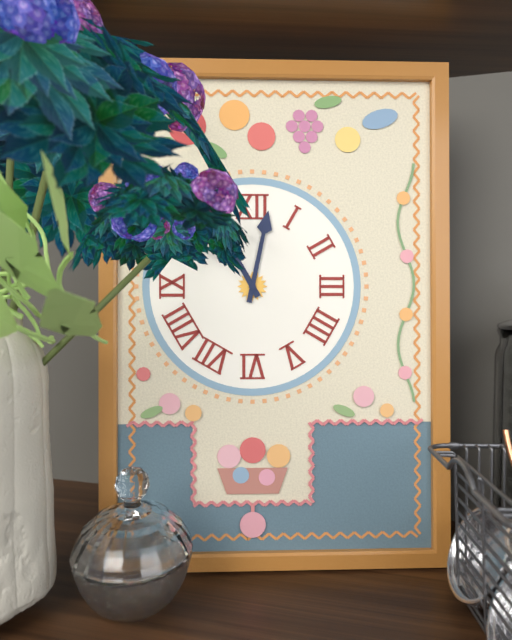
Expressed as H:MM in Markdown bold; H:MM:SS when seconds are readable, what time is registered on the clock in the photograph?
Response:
**11:02**
